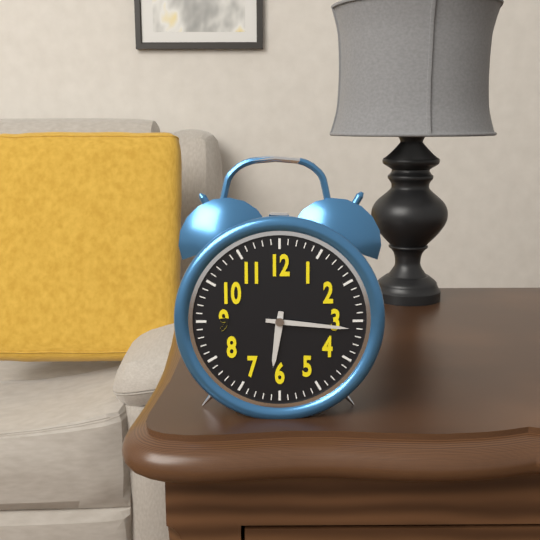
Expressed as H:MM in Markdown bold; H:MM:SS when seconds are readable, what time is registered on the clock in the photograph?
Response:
**6:16**
